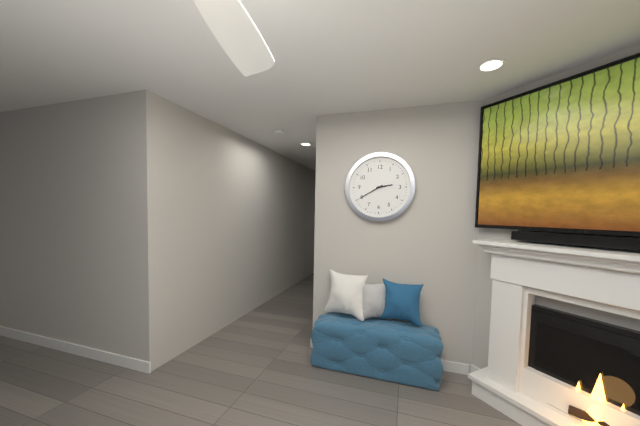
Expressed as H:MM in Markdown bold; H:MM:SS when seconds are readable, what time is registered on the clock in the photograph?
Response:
**2:40**
